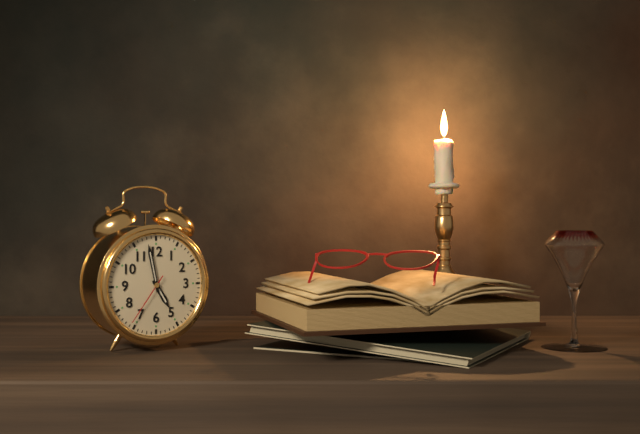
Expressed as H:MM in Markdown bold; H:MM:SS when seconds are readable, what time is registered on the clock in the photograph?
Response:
**4:58:36**
